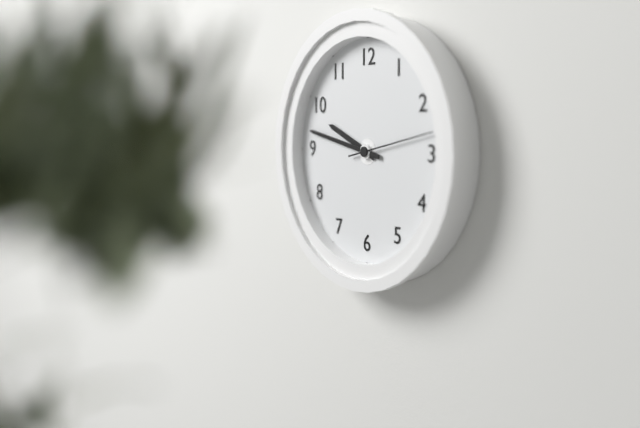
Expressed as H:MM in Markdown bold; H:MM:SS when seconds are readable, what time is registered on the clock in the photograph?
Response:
**9:47:13**
